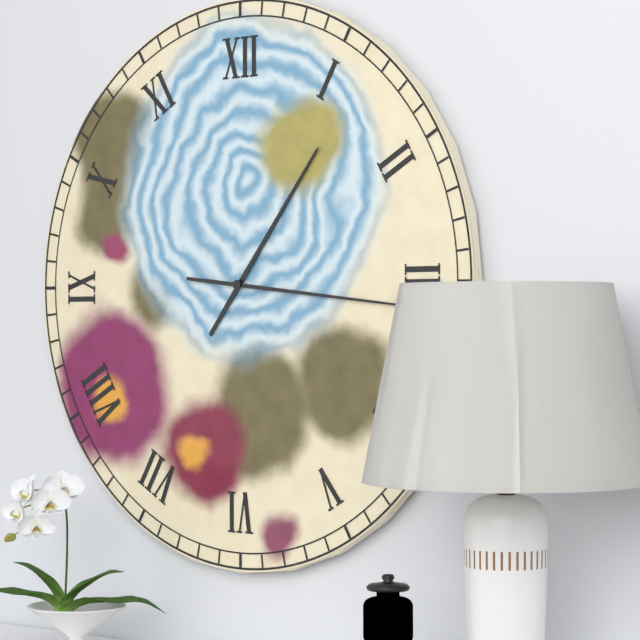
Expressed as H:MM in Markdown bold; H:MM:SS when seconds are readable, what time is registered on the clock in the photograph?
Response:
**1:16**
